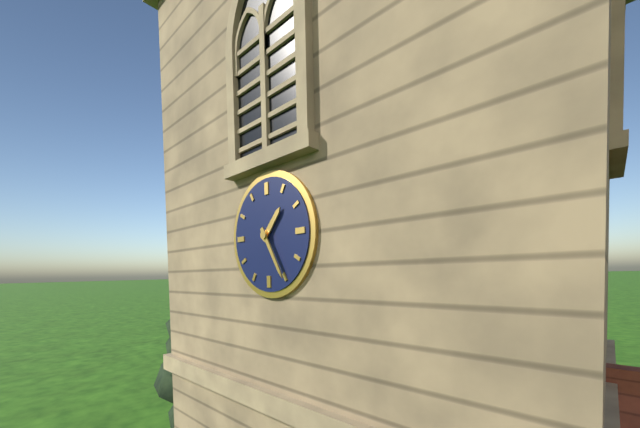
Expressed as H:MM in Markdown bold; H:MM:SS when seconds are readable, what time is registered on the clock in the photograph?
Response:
**1:25**
